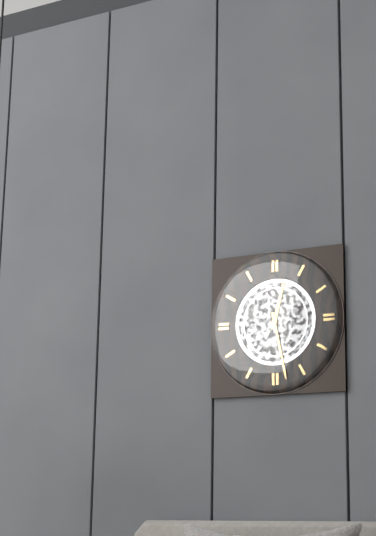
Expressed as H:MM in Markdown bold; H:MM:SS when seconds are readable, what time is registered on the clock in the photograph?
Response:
**12:28**
